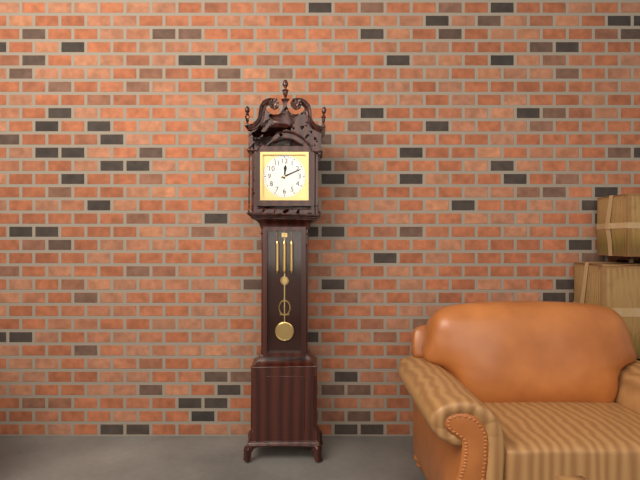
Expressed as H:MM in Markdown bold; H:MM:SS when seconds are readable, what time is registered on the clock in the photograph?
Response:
**12:11**
